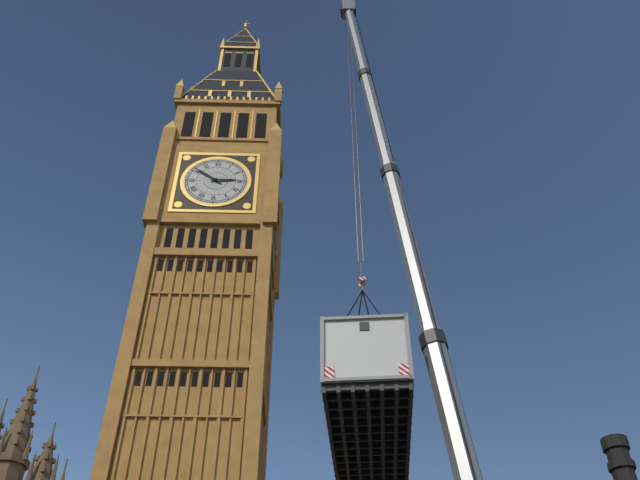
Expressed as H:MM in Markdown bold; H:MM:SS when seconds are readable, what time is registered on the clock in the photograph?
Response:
**2:51**
